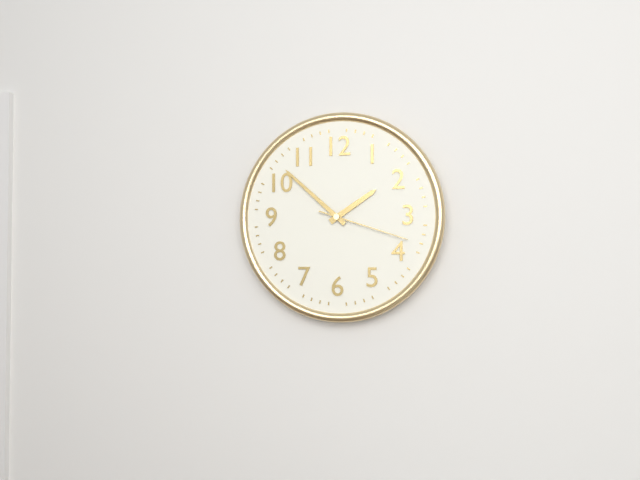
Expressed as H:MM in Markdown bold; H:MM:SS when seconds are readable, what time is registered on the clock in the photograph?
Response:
**1:52:18**
